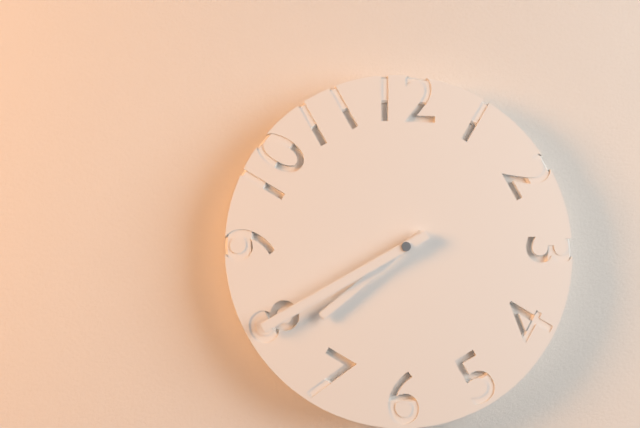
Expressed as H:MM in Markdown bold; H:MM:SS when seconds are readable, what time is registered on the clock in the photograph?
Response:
**7:40**
